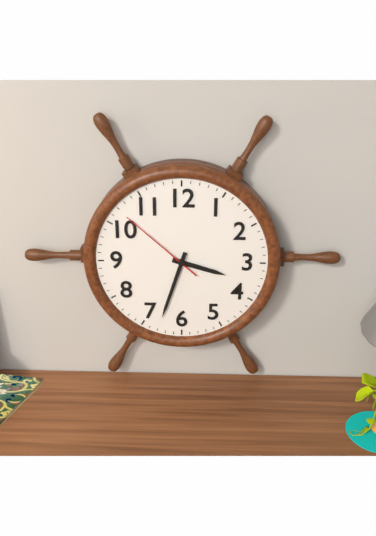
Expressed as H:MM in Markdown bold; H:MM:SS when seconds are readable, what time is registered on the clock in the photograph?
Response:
**3:33:52**
